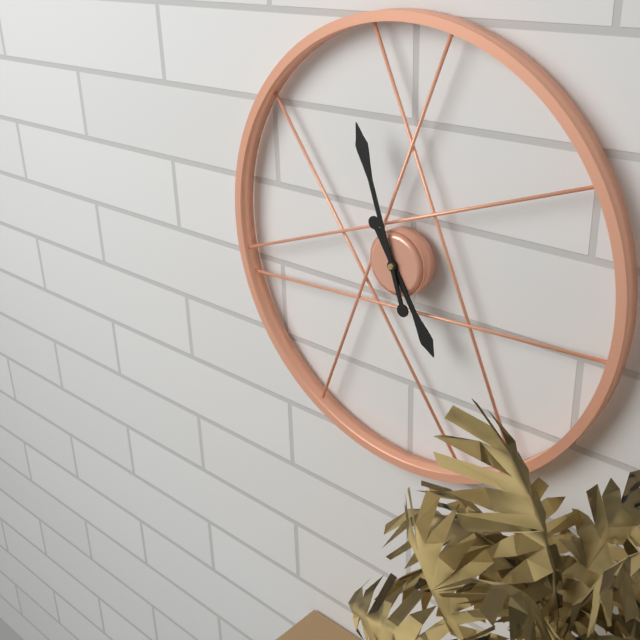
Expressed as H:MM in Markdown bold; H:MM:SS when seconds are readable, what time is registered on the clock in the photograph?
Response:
**4:57**
